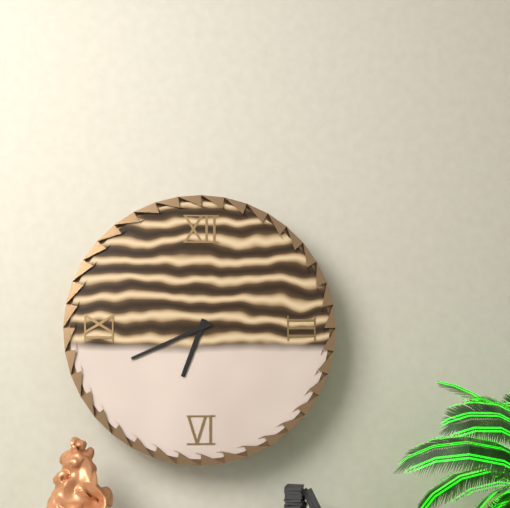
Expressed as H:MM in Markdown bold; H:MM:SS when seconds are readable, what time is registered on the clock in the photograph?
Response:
**6:41**
